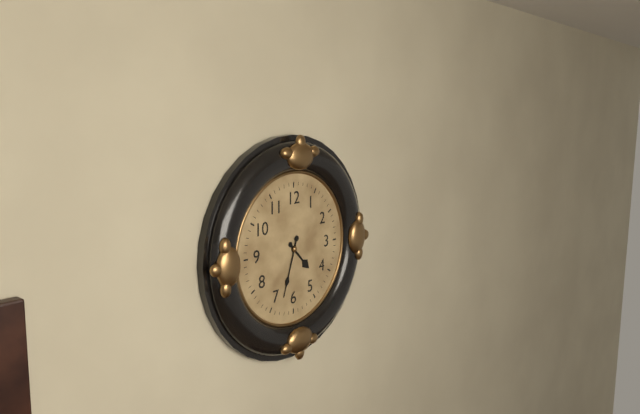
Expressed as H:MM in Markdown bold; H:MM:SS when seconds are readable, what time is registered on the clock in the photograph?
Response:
**4:33**
